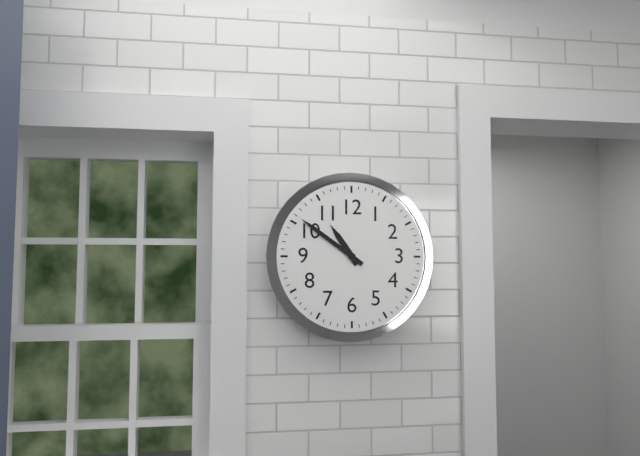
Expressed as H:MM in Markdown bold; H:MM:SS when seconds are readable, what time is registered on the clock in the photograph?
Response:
**10:51**
